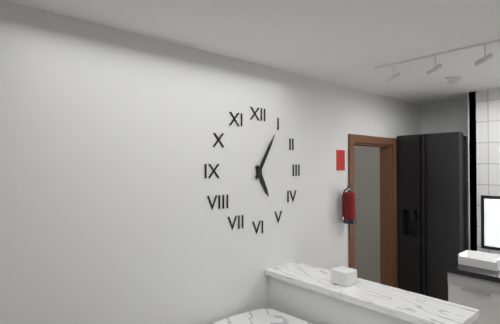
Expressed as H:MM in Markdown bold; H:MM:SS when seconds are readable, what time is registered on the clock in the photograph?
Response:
**5:05**
